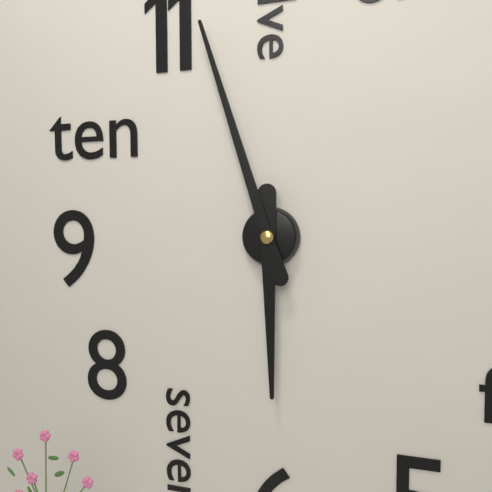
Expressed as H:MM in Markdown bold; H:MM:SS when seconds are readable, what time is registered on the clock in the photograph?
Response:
**5:57**
